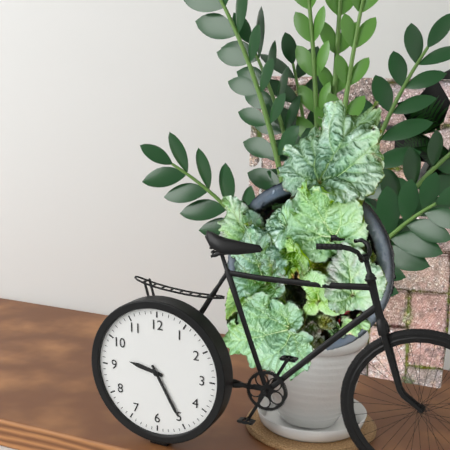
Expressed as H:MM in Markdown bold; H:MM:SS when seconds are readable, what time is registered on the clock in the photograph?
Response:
**9:25**
